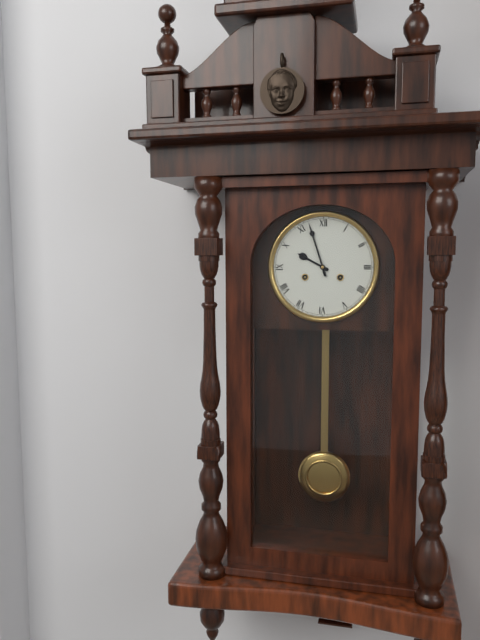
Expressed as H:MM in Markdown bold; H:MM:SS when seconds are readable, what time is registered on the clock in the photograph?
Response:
**9:57**
